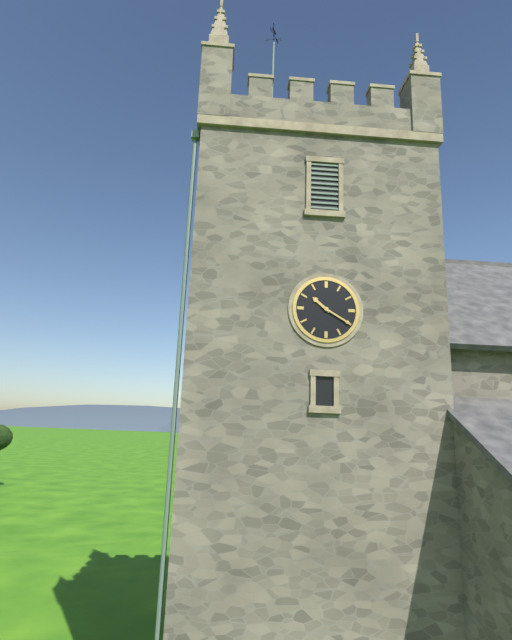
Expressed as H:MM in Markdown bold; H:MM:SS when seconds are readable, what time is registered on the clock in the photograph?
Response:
**10:20**
